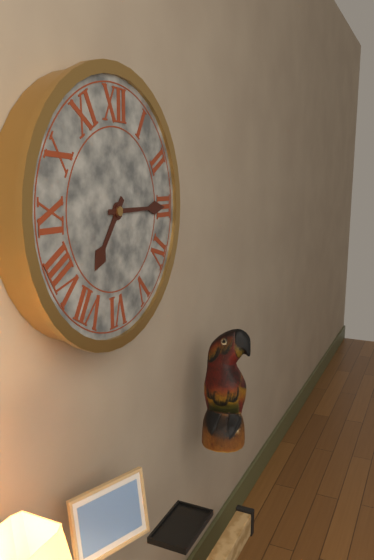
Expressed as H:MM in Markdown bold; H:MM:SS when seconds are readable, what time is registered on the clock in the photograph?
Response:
**7:15**
